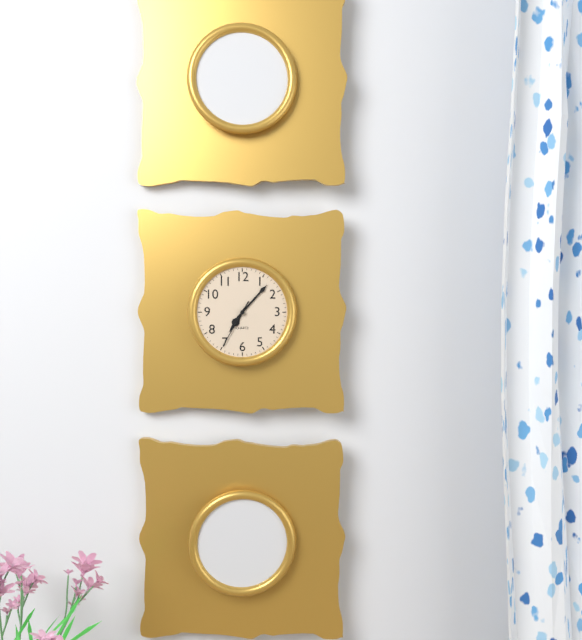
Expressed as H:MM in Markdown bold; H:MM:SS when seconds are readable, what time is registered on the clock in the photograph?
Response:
**7:07:35**
